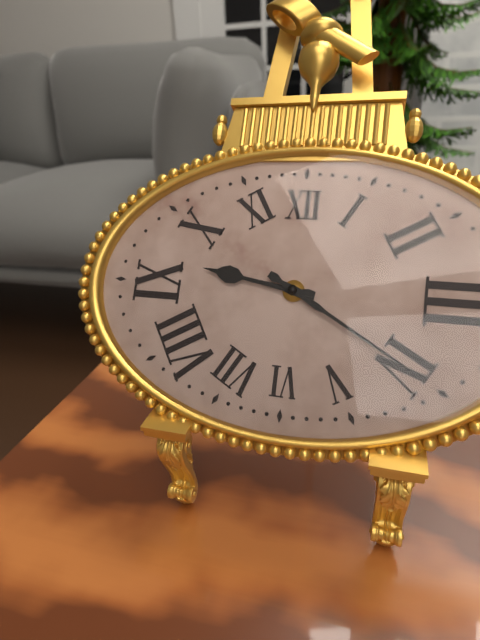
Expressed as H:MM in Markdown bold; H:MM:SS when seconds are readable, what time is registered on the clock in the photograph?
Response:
**9:20**
